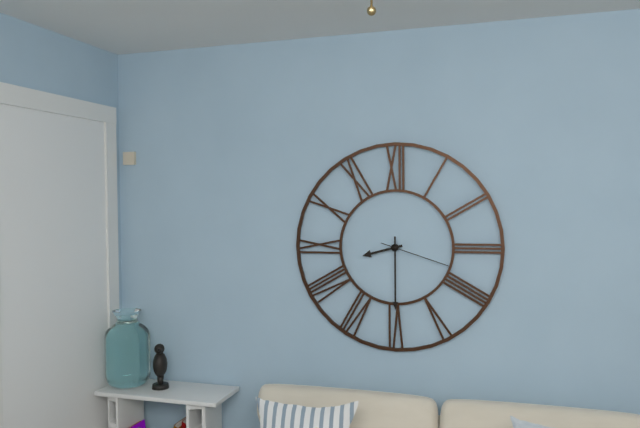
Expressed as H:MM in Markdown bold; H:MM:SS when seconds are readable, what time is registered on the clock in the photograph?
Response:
**8:30:18**
